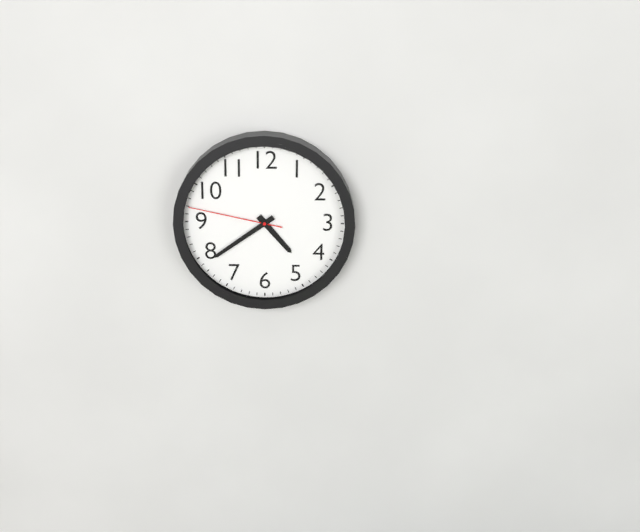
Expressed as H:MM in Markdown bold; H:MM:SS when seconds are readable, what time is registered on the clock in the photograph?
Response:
**4:39:47**
